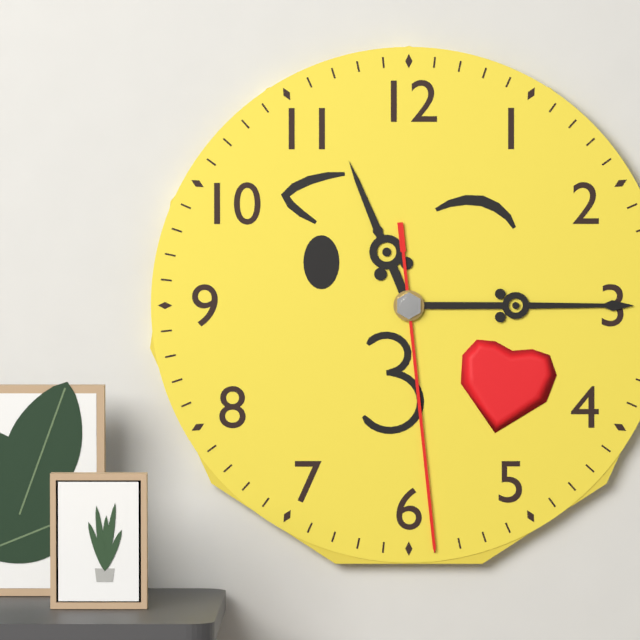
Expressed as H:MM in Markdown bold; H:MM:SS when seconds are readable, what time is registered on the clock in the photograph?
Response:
**11:15:29**
